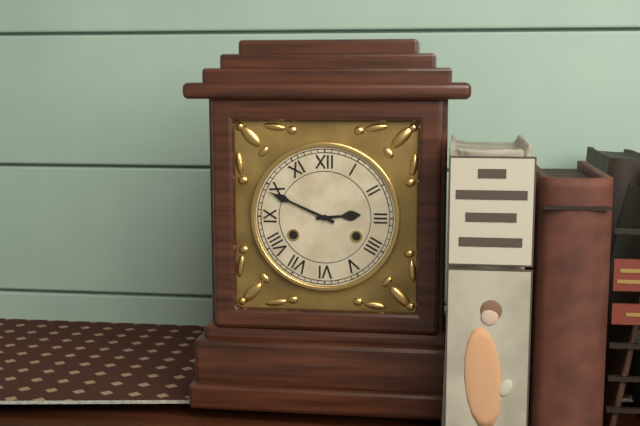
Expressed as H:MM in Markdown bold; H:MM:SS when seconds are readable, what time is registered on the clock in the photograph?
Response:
**2:49**
